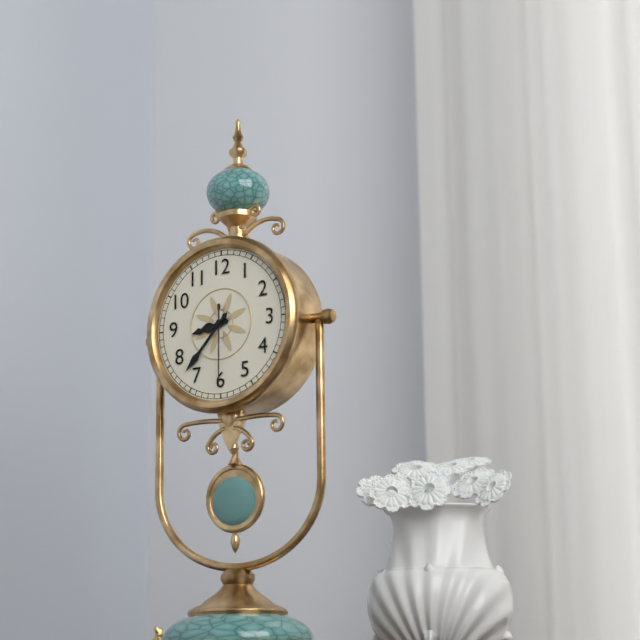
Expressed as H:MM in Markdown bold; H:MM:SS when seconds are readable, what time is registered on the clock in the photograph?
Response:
**8:37:30**
